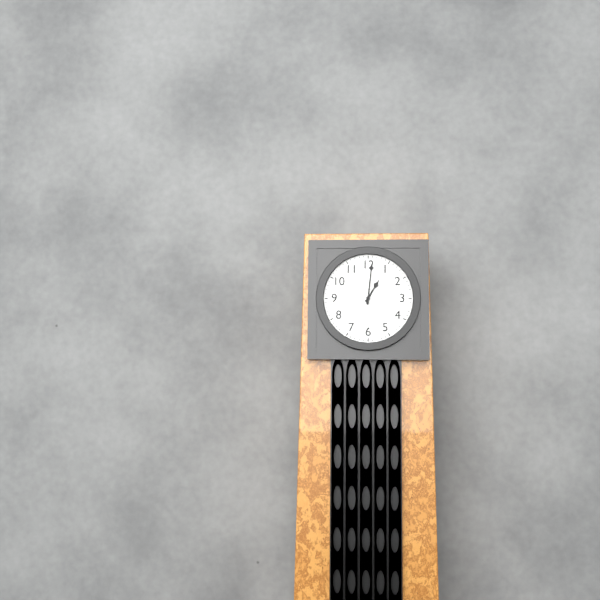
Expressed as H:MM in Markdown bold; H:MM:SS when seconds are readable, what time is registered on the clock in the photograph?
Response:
**1:01**
